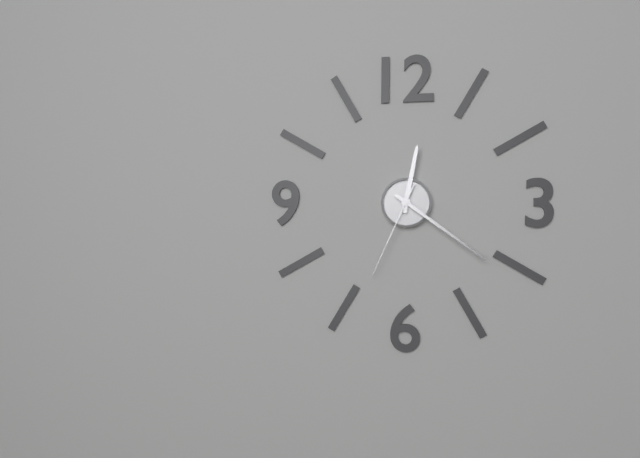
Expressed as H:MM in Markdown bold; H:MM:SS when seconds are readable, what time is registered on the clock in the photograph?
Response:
**12:21:34**
